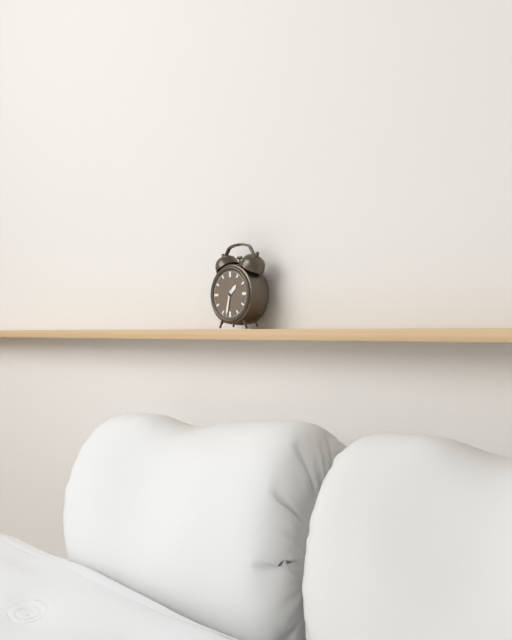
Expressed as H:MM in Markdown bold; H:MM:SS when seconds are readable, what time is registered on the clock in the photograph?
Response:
**1:32**
